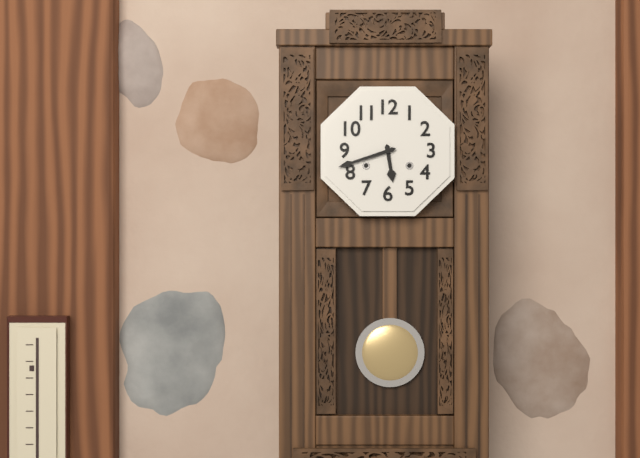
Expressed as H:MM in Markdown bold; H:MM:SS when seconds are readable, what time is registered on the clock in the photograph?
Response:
**5:42**
